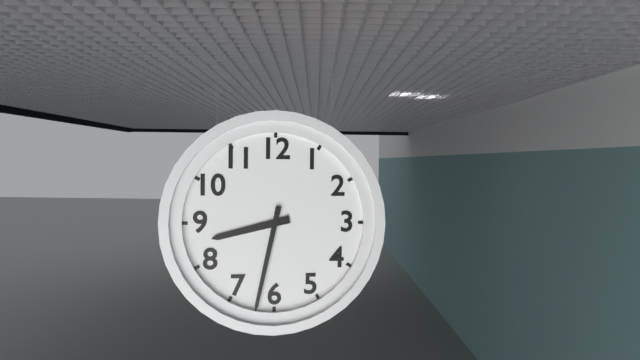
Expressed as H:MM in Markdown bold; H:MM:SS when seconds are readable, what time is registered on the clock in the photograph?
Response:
**8:32**
